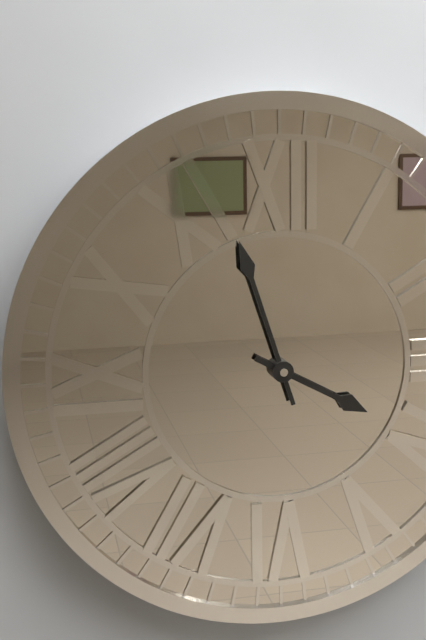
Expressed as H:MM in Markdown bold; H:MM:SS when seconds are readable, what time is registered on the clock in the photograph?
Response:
**3:57**
